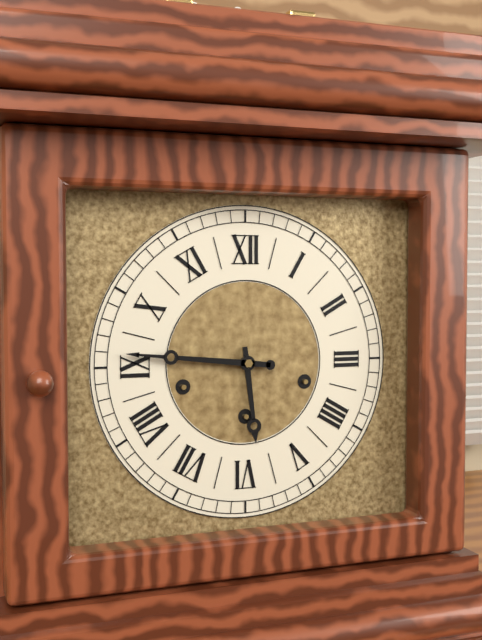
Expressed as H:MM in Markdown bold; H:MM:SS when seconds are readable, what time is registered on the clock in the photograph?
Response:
**5:46**
